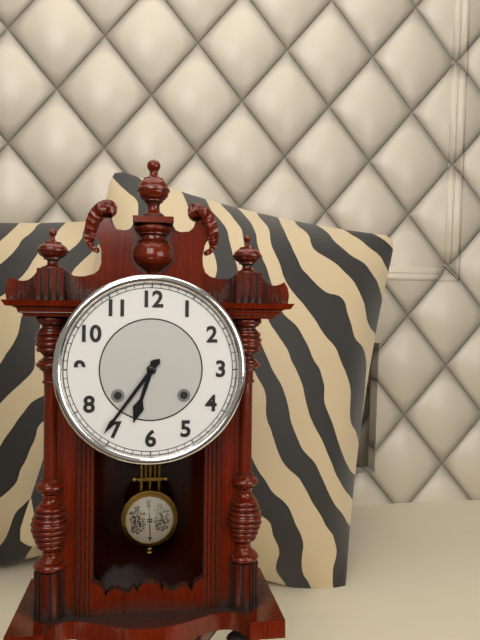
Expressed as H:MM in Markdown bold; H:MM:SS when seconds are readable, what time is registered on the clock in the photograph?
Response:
**6:36**
